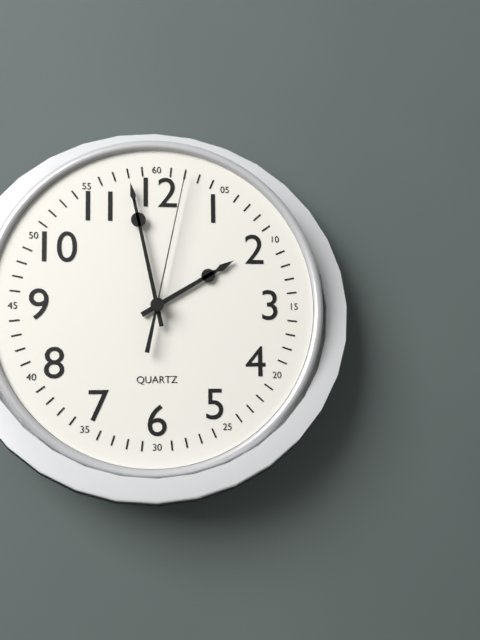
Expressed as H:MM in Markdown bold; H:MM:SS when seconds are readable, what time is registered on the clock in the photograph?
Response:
**1:58:02**
